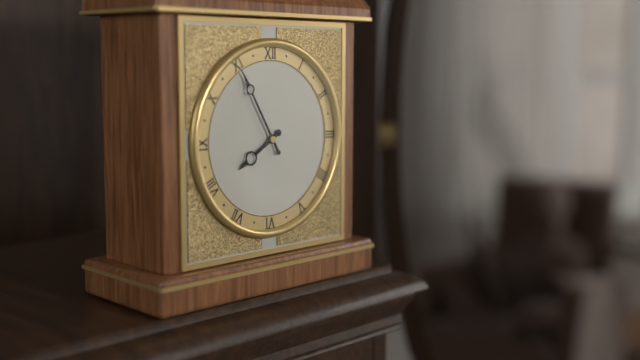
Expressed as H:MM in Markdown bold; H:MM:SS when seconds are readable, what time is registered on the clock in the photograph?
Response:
**7:55**
